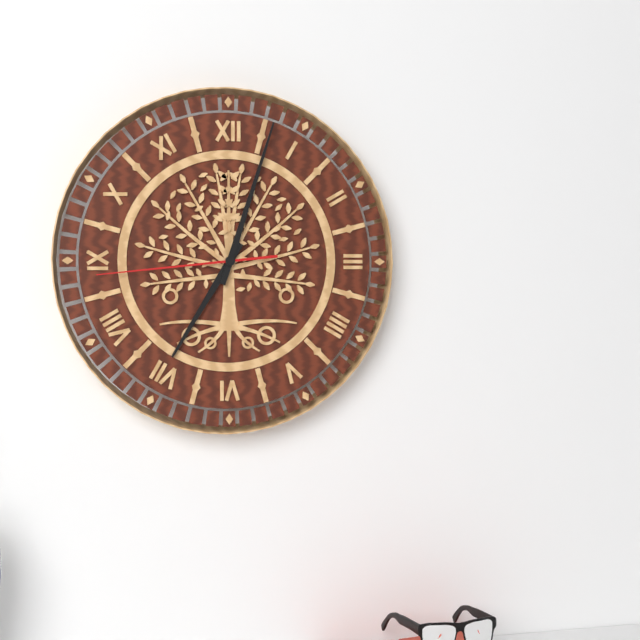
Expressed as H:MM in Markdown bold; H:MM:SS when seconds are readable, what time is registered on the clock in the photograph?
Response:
**7:03:44**
